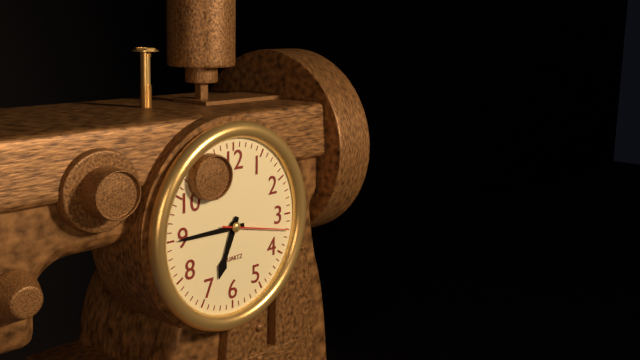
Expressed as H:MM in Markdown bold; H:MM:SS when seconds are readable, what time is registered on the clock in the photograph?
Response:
**6:45:17**
